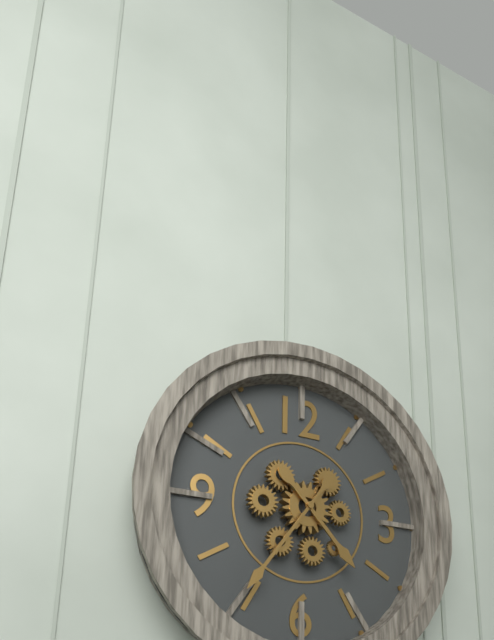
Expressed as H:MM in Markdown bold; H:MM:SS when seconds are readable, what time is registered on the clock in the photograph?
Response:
**4:36**
